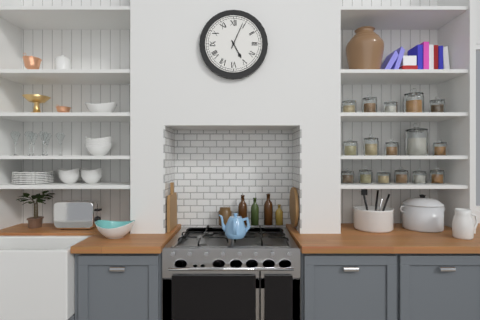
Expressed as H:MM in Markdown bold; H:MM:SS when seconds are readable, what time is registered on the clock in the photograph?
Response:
**5:04**
